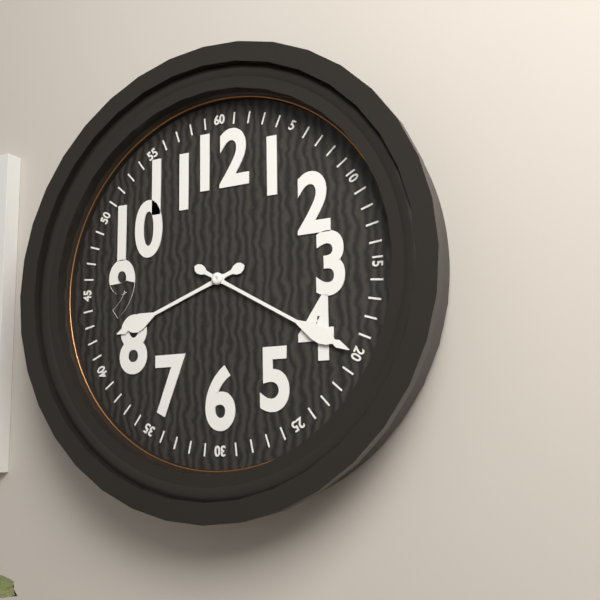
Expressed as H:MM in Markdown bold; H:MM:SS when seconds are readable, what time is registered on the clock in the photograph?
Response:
**8:20**
